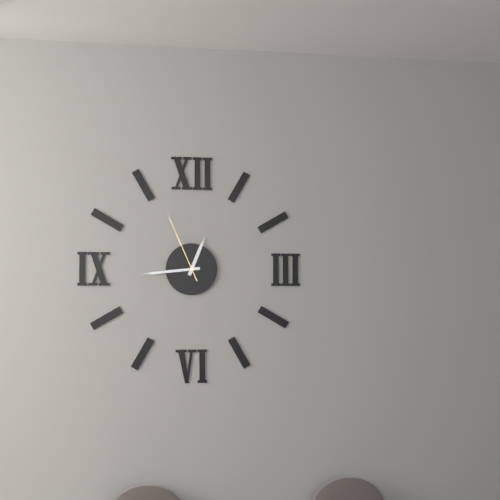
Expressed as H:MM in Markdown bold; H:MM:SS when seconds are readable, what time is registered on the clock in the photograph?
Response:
**12:44:56**
